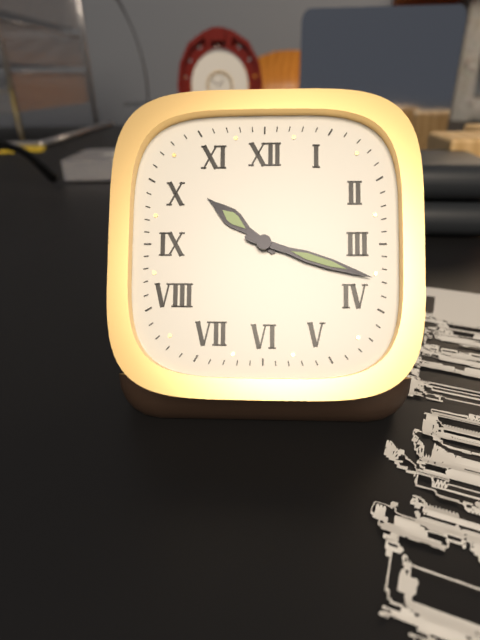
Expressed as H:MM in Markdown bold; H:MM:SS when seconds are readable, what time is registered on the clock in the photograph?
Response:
**10:18**
